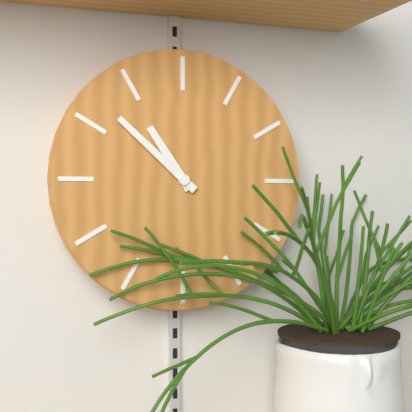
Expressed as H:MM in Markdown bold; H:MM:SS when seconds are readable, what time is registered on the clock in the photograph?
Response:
**10:52**
